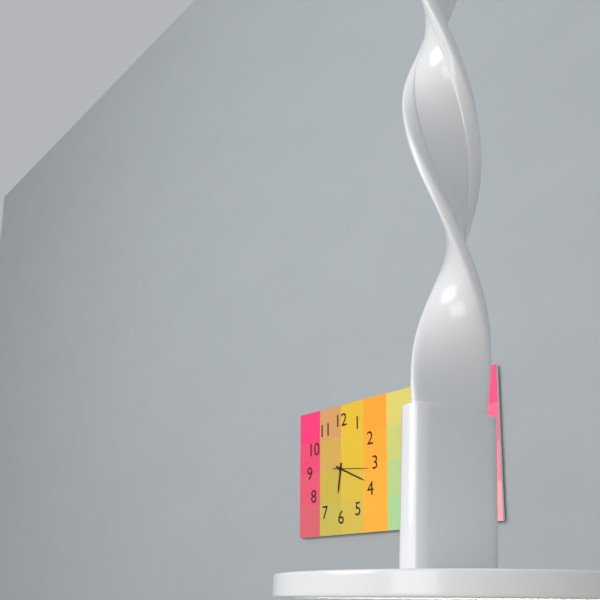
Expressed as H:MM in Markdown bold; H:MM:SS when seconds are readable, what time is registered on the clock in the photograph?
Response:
**6:19**
